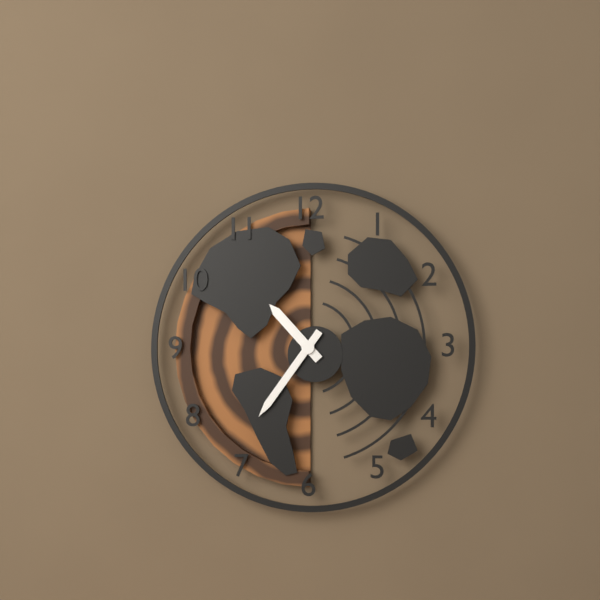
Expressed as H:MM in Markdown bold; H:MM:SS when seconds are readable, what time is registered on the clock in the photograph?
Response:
**10:36**
